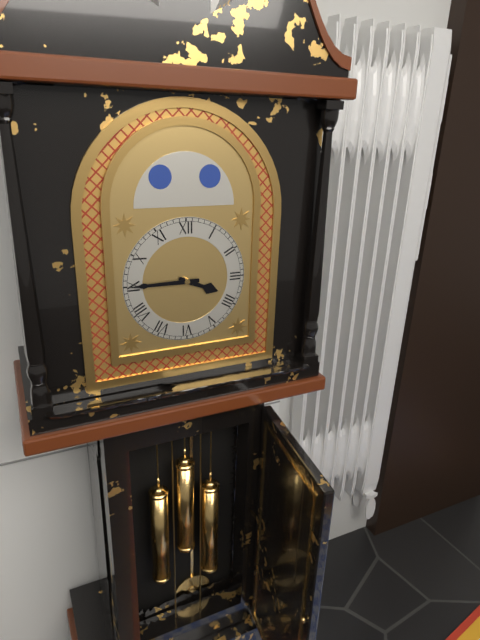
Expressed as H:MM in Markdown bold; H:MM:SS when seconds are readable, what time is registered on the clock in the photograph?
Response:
**3:45**
